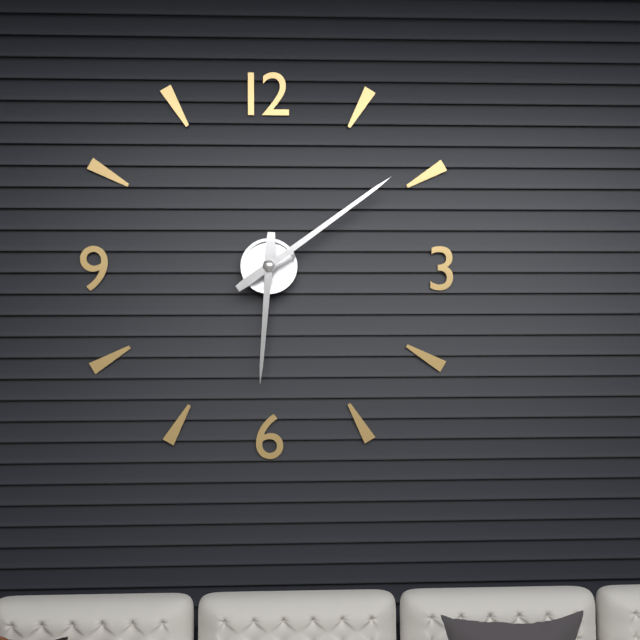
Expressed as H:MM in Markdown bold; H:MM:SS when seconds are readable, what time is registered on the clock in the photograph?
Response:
**6:09**
